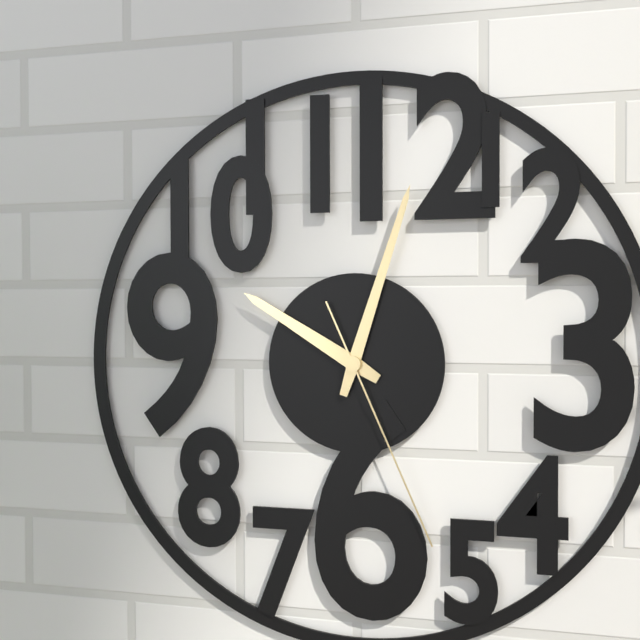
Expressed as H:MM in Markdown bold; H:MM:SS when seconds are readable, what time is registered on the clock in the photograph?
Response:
**10:03:26**
